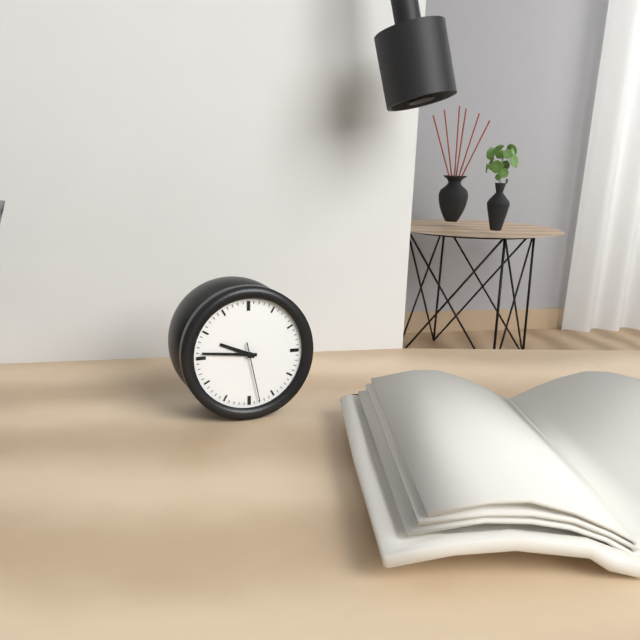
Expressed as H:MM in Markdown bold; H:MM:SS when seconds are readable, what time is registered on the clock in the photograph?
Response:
**9:46:28**
